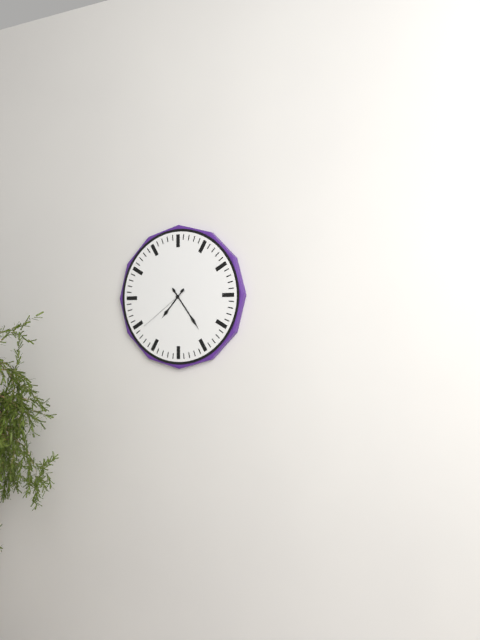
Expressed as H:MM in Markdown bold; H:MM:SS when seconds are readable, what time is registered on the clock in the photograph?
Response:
**7:24:39**
